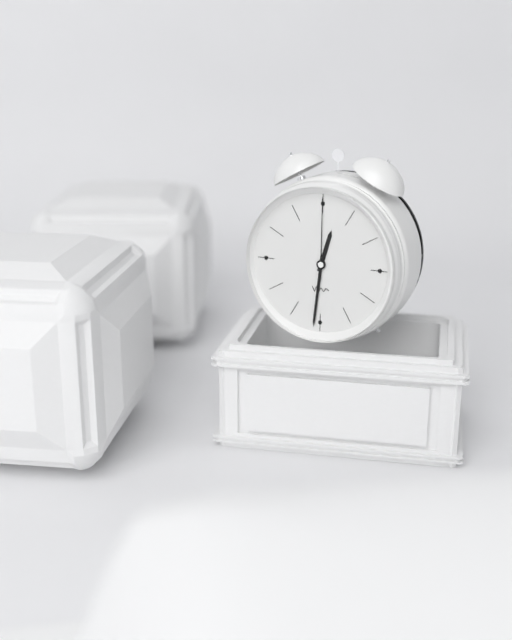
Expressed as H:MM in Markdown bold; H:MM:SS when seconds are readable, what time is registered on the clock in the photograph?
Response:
**12:31:00**
